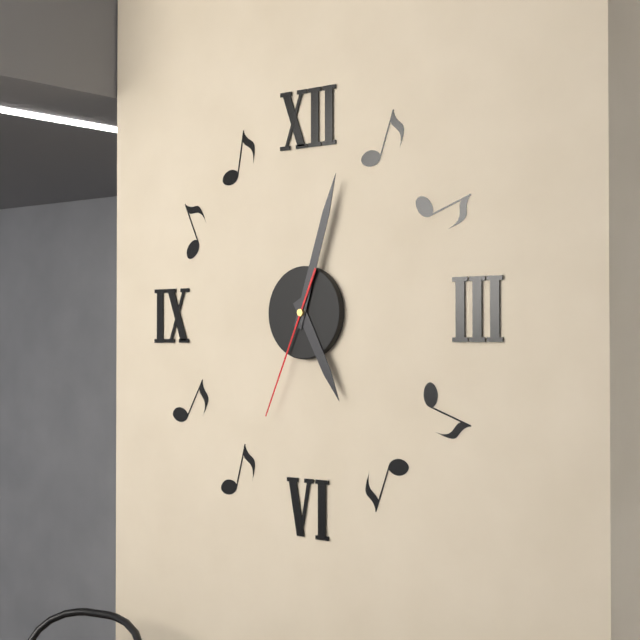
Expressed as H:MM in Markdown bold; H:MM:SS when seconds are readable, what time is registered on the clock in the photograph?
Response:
**5:03:34**
